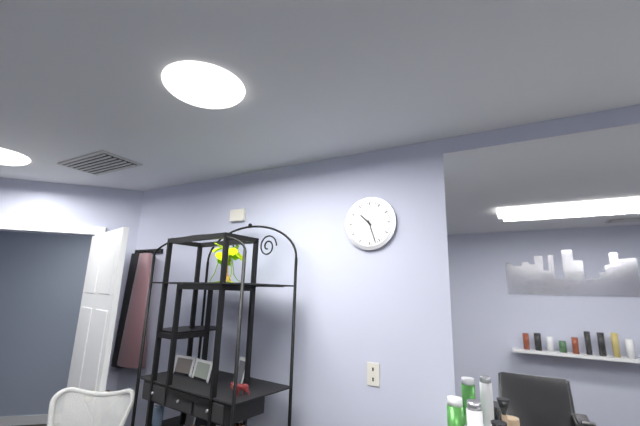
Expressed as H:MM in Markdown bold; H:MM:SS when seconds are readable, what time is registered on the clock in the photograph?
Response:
**10:27**
